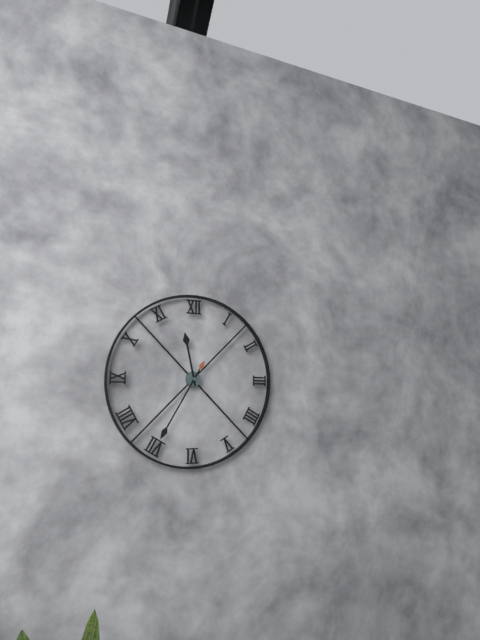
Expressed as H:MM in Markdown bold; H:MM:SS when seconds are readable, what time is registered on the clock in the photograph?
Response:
**11:35**
